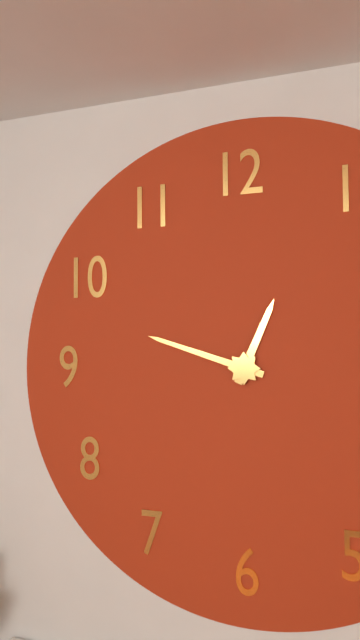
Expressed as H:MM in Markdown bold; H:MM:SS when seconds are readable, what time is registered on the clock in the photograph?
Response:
**12:48**
